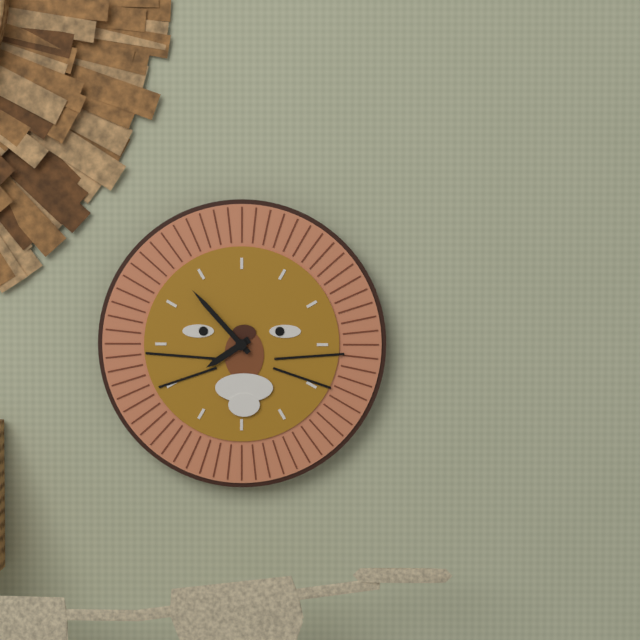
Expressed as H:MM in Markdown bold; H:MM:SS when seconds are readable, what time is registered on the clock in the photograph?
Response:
**7:53**
